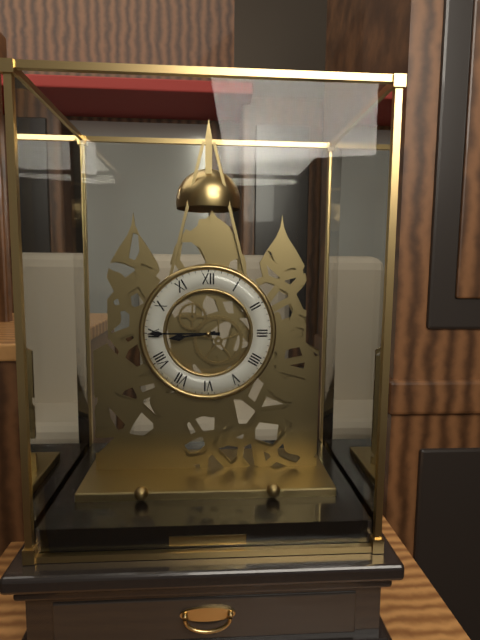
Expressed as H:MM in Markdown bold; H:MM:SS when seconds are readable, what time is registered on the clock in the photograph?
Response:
**8:45**
